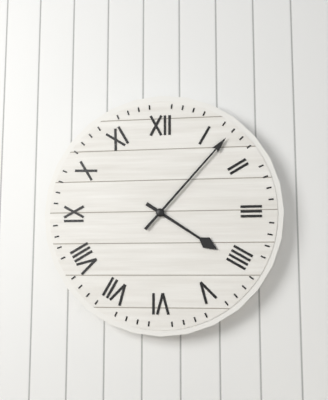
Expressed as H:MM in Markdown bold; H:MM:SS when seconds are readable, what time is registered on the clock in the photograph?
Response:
**4:07**
